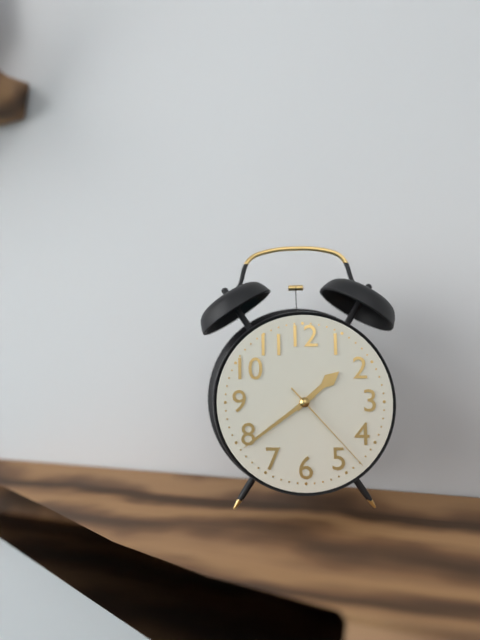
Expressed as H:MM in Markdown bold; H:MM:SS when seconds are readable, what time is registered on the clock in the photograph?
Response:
**1:39:23**
